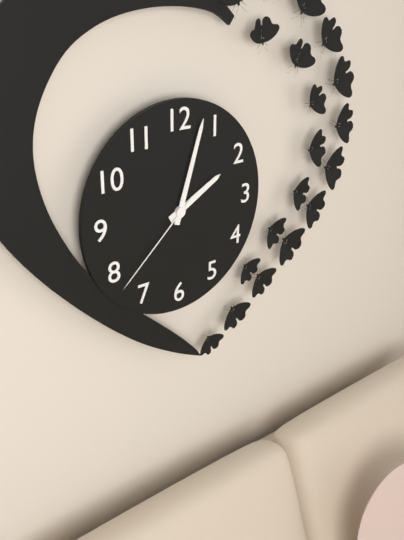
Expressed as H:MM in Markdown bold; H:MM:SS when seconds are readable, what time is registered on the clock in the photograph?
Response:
**2:03:38**
